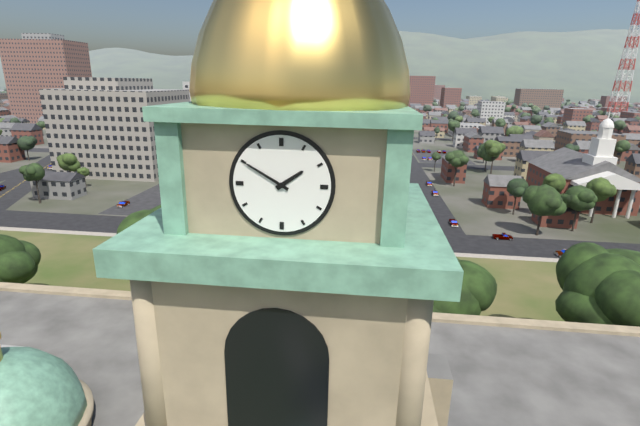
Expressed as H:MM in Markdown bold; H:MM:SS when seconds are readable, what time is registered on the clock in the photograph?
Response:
**1:50**
